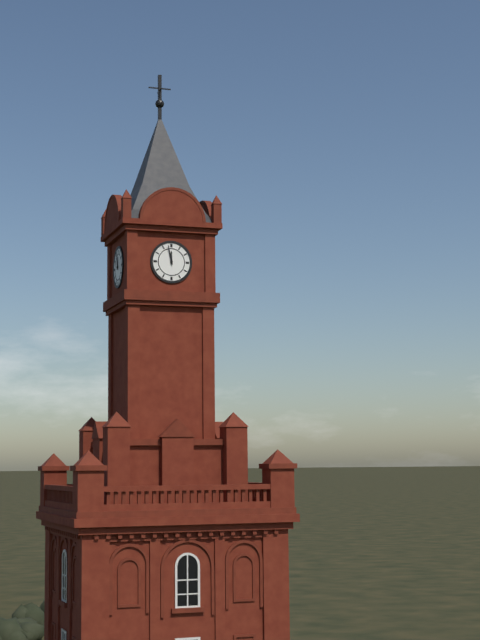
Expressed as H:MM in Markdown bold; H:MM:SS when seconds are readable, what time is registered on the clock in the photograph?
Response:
**11:58**
